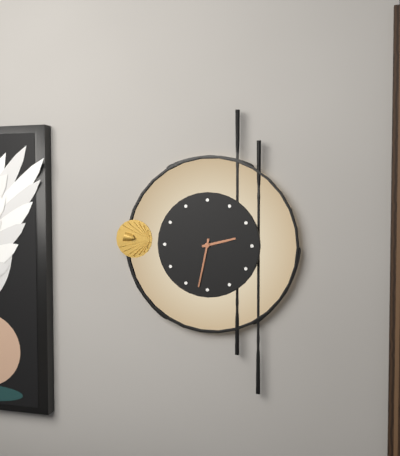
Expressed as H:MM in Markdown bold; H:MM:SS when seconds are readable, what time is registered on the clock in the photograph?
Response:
**2:32**
